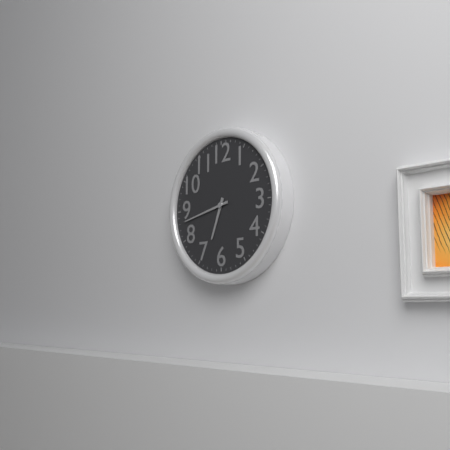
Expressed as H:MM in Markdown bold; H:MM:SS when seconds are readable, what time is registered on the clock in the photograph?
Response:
**6:43**
